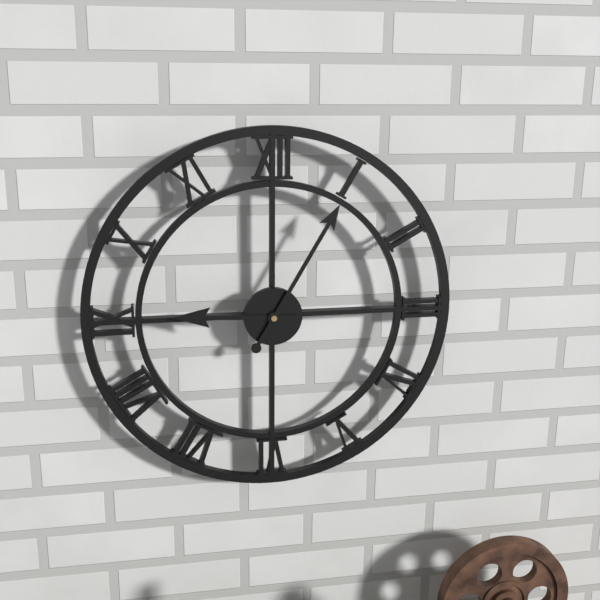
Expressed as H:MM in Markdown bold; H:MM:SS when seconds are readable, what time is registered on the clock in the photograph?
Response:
**9:05**
